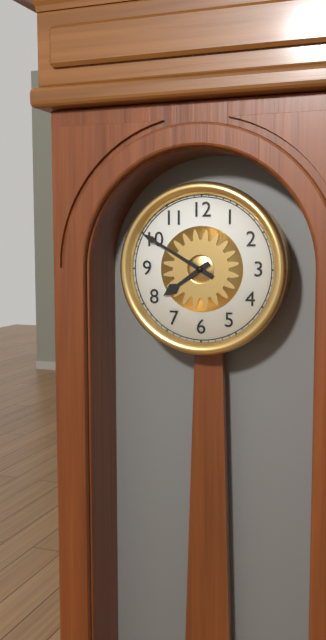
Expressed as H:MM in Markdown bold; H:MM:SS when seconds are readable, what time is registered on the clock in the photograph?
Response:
**7:50**
